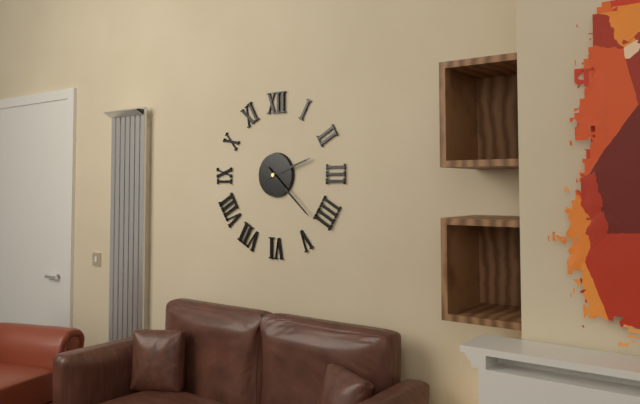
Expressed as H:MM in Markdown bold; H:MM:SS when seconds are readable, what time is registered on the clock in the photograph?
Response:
**2:22**
